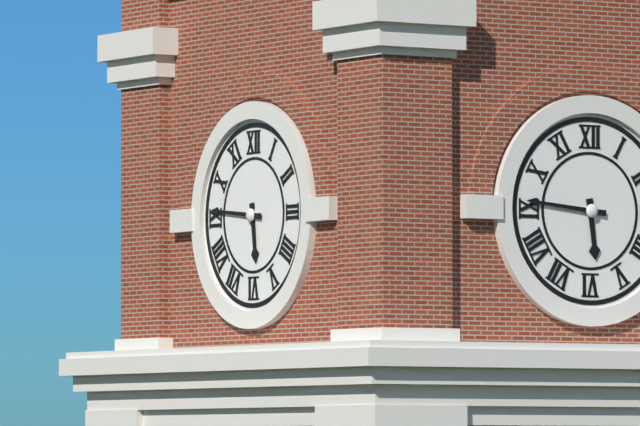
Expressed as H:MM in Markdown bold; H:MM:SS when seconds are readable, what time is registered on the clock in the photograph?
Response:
**5:46**
